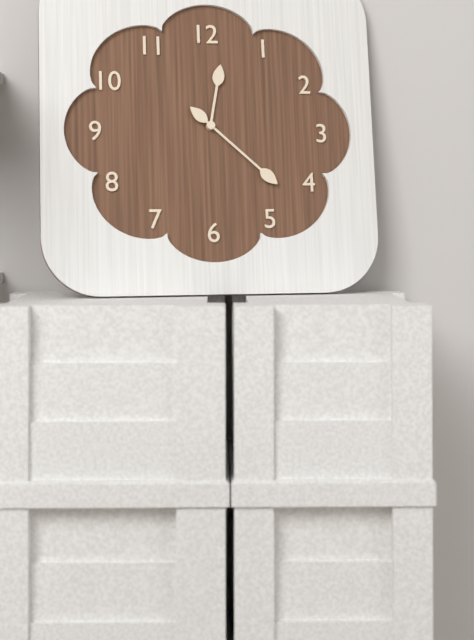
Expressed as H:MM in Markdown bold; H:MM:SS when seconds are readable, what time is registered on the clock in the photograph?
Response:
**12:22**
